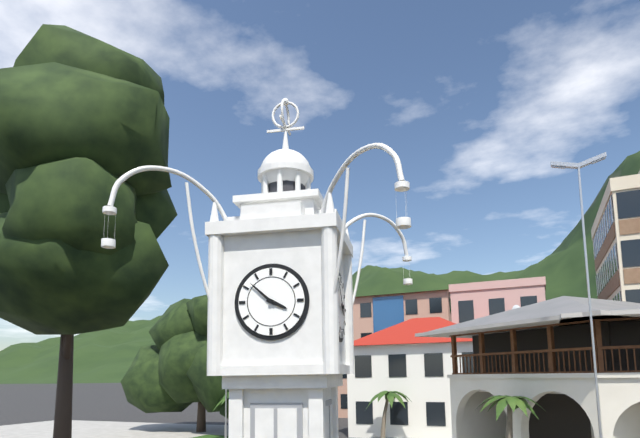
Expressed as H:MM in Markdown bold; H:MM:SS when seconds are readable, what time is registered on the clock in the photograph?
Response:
**3:52**
